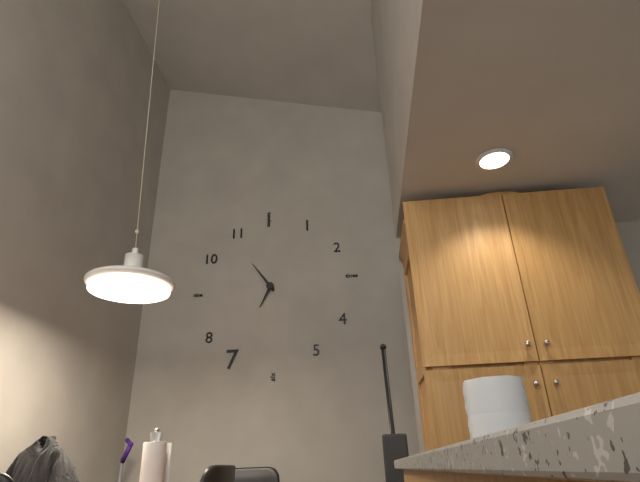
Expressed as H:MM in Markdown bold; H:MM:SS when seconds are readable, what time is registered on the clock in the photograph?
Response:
**6:54**
